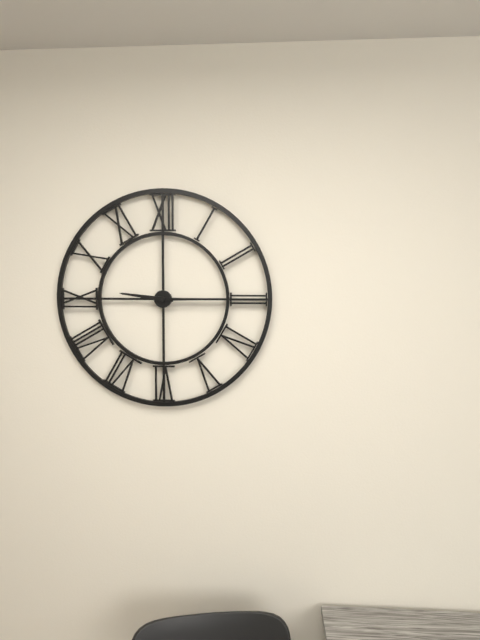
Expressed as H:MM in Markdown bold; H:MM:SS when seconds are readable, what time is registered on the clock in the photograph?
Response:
**9:15**
